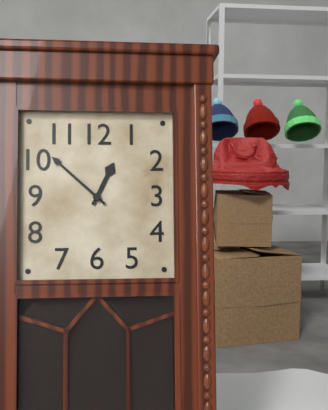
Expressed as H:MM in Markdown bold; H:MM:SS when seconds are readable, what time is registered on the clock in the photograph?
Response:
**12:52**
